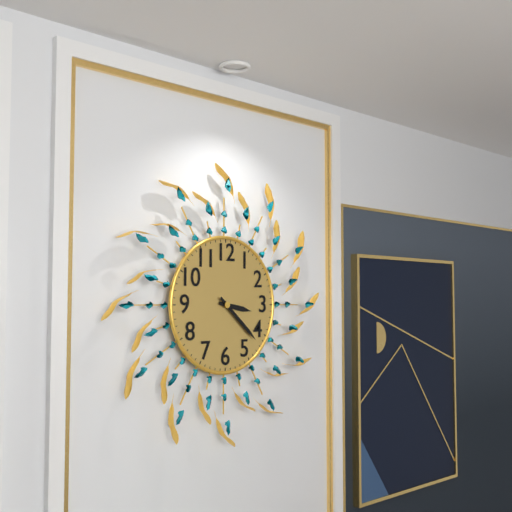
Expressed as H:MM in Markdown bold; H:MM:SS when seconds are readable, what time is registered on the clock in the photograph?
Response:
**3:22**
